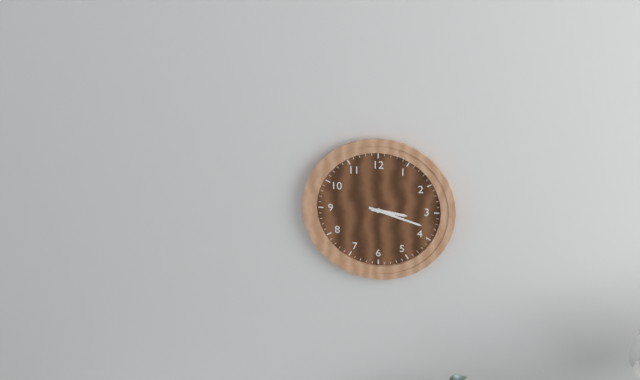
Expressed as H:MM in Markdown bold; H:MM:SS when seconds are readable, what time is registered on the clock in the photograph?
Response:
**3:18**
